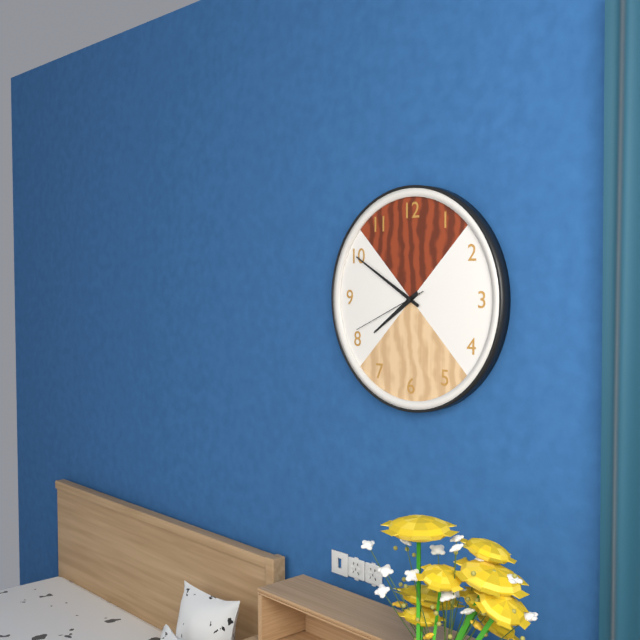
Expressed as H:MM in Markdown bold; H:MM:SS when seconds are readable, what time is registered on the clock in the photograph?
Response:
**7:50:41**
